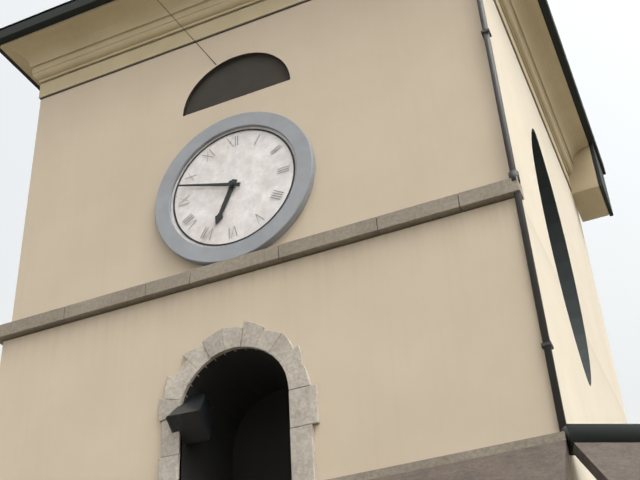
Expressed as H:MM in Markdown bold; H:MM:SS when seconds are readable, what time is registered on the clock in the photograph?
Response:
**6:48**
